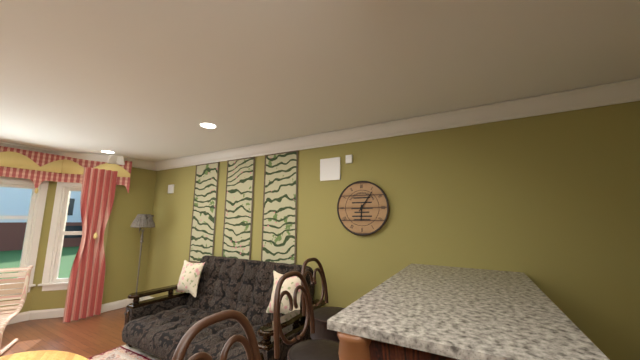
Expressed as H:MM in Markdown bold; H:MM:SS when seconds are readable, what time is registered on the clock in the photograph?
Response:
**6:06**
